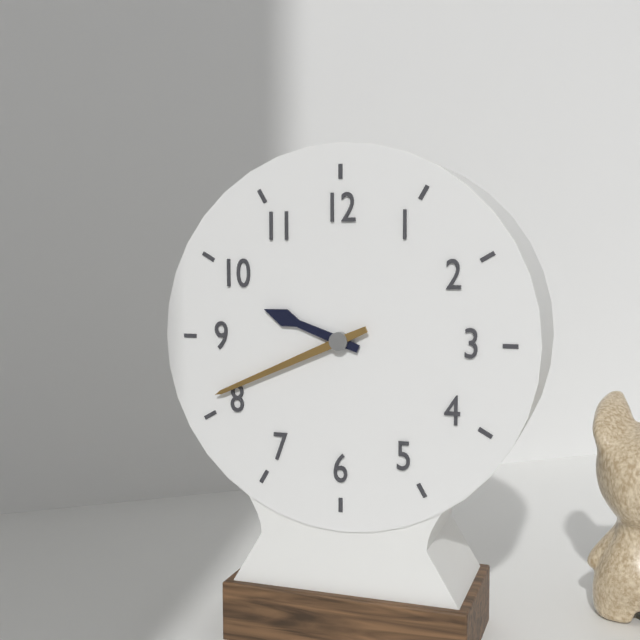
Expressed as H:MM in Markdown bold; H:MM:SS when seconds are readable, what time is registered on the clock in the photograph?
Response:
**9:41**
